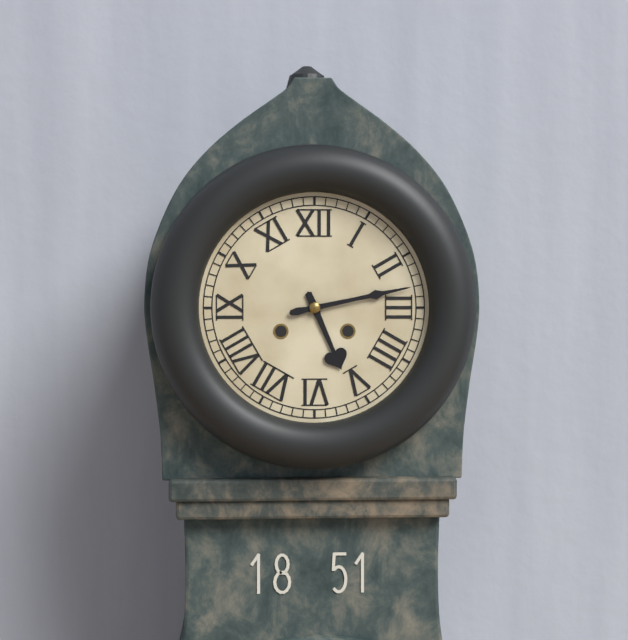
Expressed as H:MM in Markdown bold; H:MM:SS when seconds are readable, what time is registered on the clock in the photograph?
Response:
**5:13**
